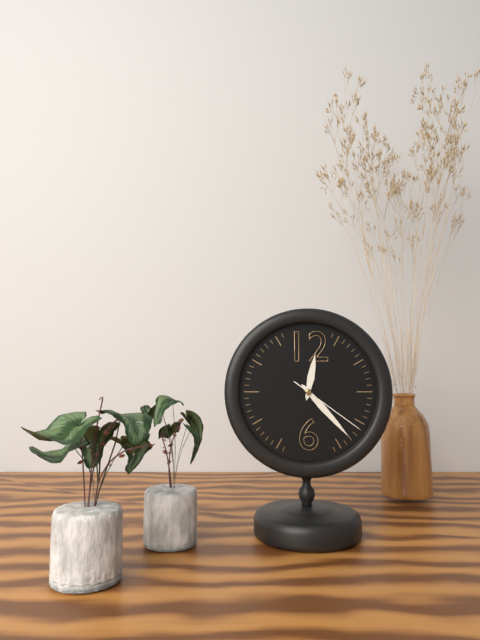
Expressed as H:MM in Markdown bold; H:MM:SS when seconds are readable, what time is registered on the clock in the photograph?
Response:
**12:23:21**
